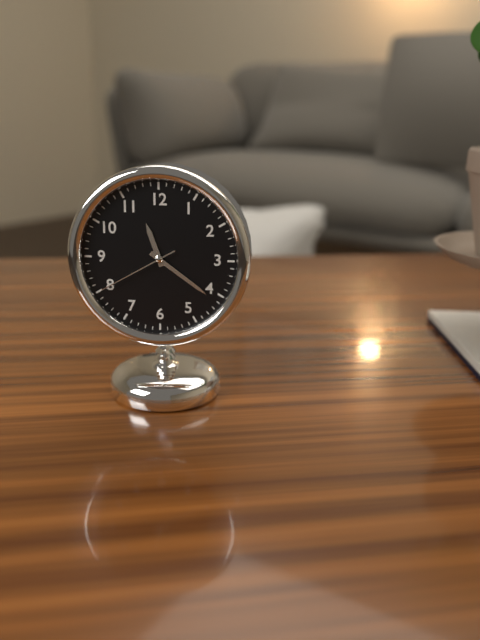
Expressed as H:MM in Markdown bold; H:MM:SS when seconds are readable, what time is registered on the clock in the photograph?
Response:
**11:21:40**
